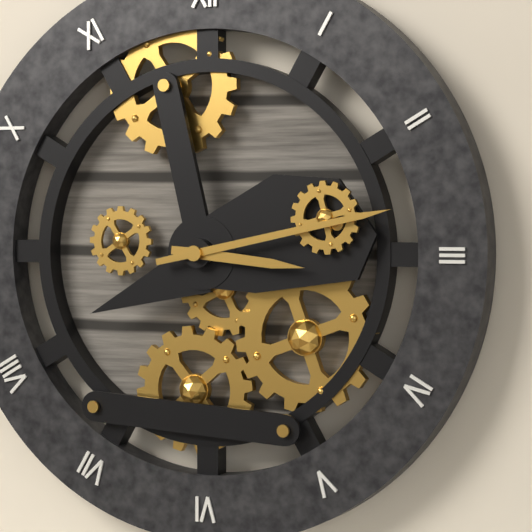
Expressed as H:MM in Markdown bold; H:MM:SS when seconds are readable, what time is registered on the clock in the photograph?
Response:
**3:13**
